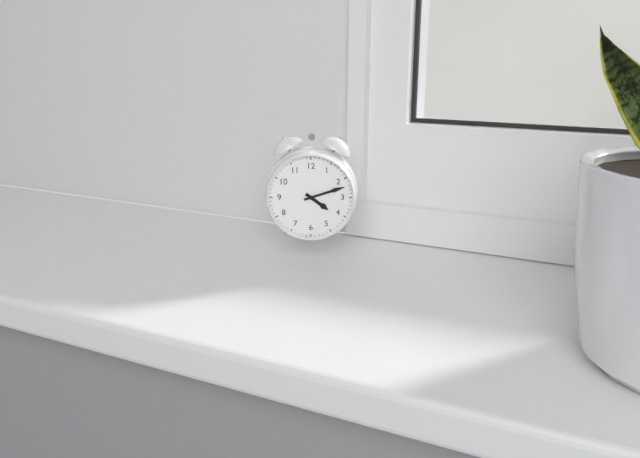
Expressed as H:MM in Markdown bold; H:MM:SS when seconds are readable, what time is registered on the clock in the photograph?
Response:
**4:12**
